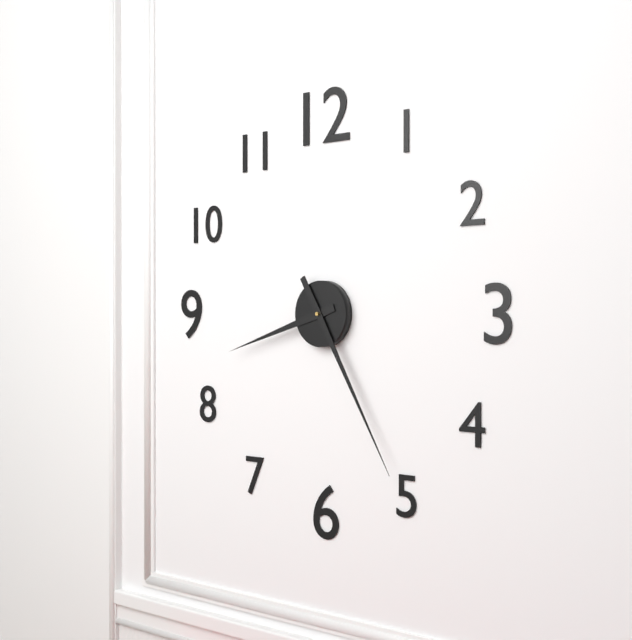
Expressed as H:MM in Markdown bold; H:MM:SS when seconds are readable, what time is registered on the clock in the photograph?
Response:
**8:25**
